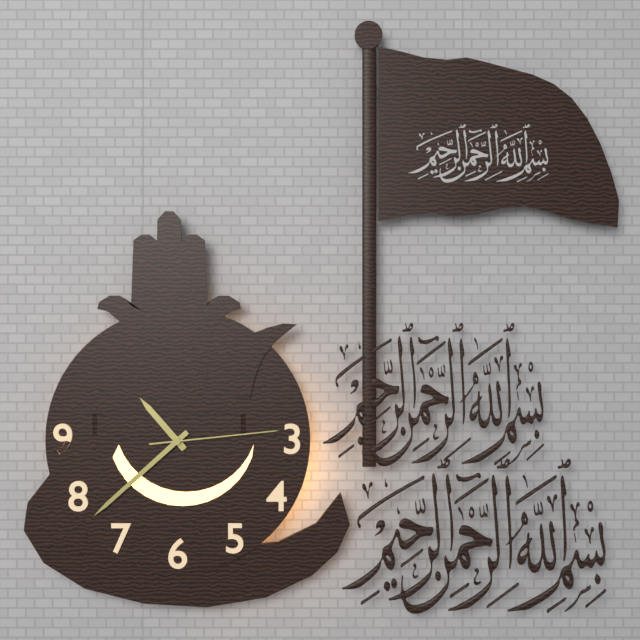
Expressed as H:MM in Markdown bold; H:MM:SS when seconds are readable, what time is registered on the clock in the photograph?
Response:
**10:38:14**
